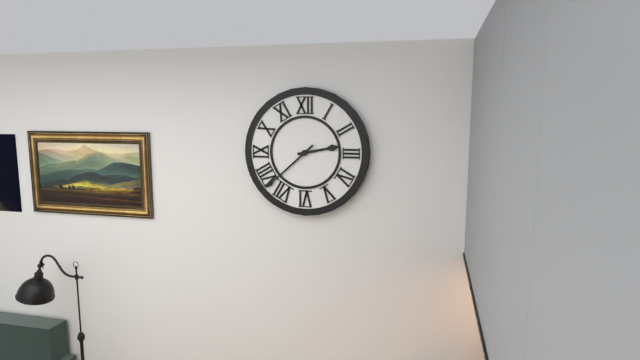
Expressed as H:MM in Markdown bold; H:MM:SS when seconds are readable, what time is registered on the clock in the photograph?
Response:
**2:38**
